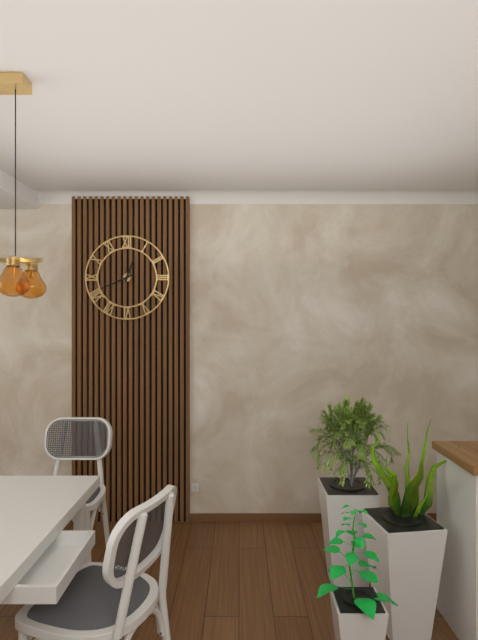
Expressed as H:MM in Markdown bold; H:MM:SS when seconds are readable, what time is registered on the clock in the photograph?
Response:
**12:41**
